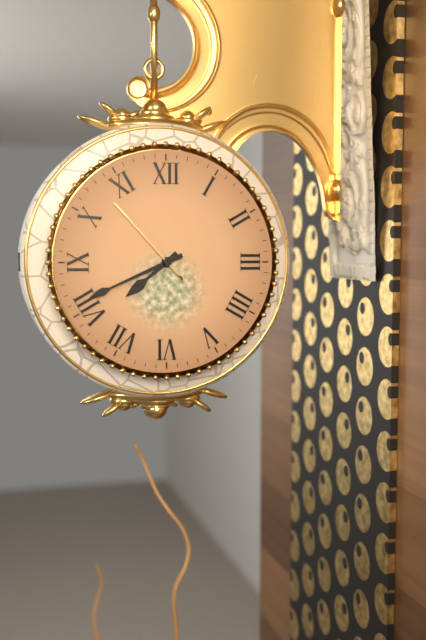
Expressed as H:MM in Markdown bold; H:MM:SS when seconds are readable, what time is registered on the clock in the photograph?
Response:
**7:41:53**
